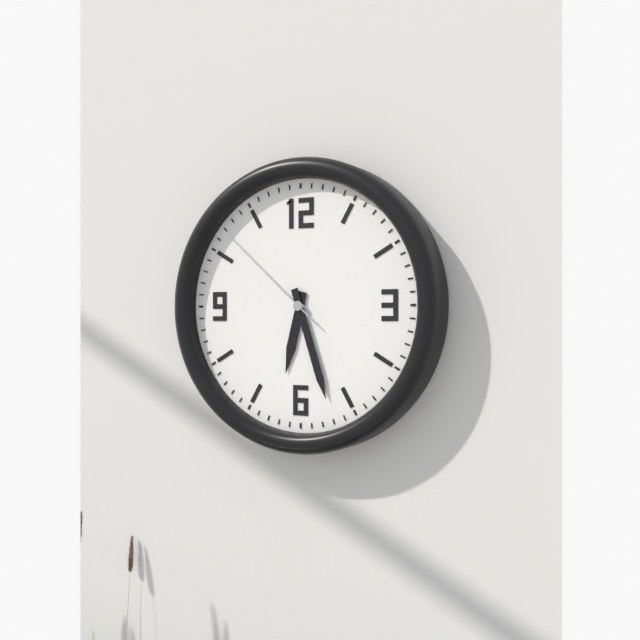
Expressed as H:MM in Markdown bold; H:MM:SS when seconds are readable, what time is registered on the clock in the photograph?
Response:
**6:27:52**
